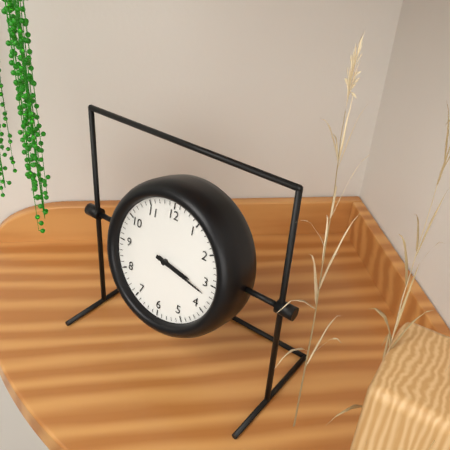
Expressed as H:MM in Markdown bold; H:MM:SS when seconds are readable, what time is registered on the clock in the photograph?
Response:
**3:17**
